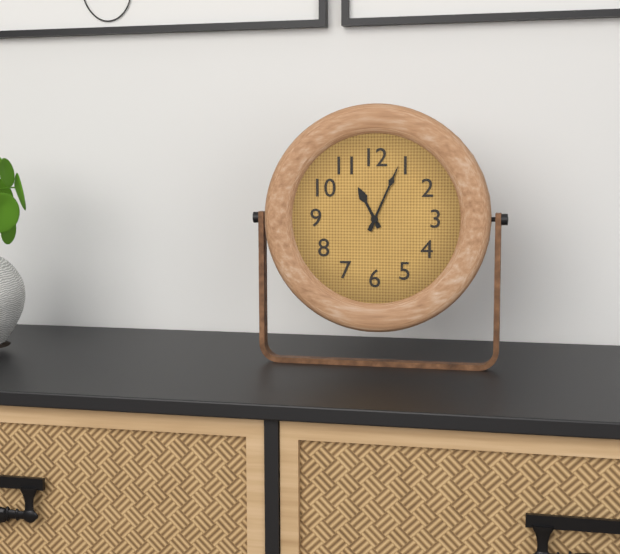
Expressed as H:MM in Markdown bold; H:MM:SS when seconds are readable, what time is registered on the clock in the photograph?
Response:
**11:04**
